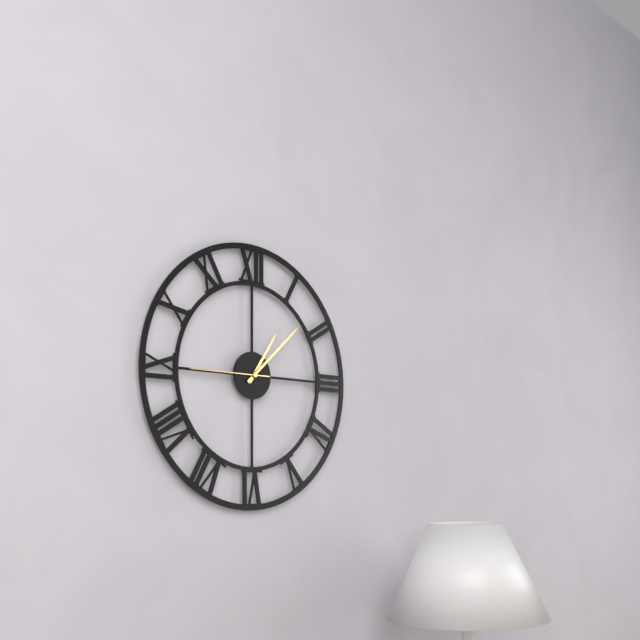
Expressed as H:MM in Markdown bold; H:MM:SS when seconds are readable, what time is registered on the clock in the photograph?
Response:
**1:08:45**
